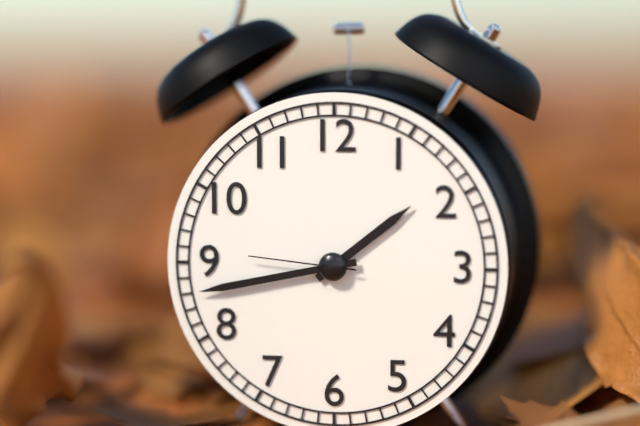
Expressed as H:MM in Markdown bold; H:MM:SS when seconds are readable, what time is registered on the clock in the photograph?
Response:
**1:43:46**
